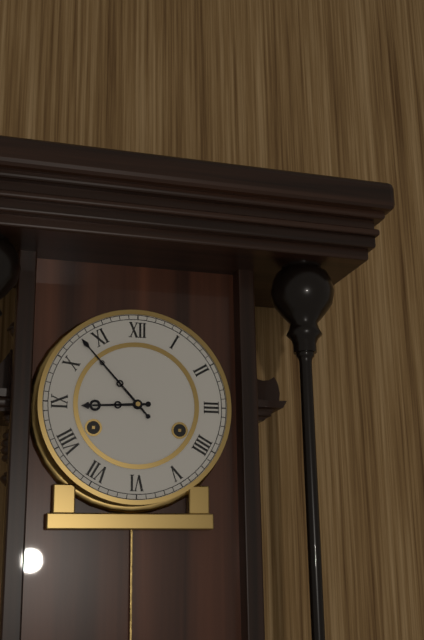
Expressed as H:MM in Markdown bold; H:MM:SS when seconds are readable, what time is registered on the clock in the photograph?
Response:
**8:53**
